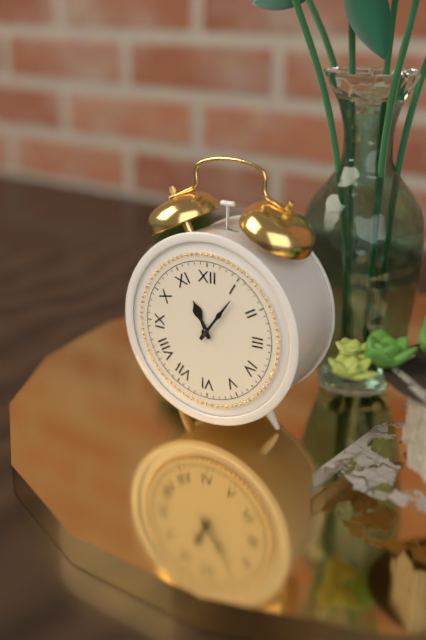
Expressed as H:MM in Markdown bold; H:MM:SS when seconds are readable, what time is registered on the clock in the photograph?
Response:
**11:06**
